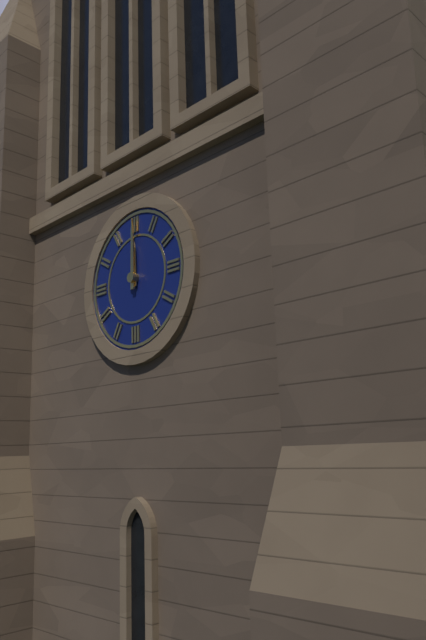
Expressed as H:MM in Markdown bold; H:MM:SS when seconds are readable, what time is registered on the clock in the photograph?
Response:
**12:00**
